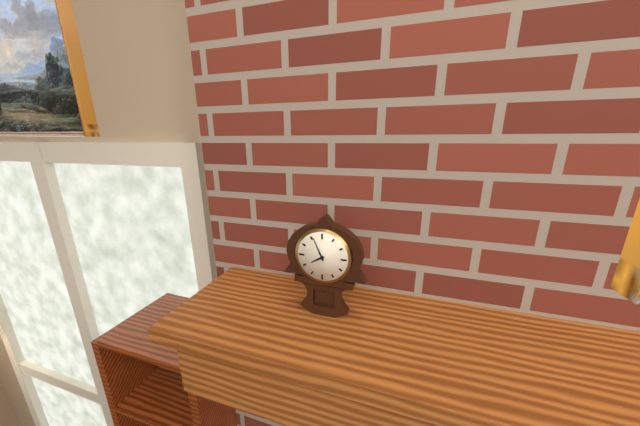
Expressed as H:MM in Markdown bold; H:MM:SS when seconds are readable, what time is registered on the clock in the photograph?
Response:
**7:56**
